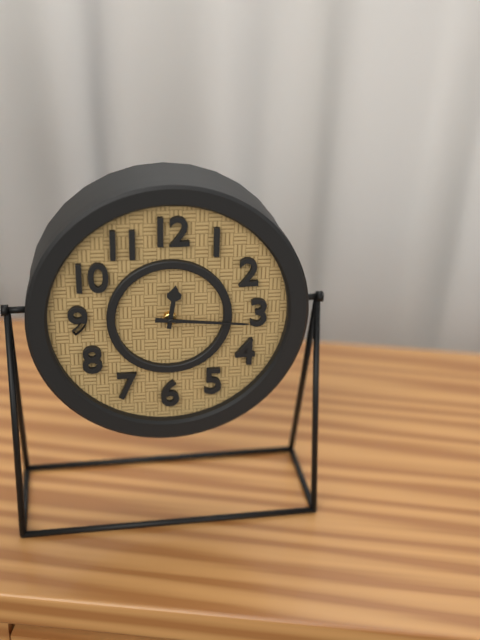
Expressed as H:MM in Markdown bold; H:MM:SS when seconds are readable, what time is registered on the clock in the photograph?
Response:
**12:16**
